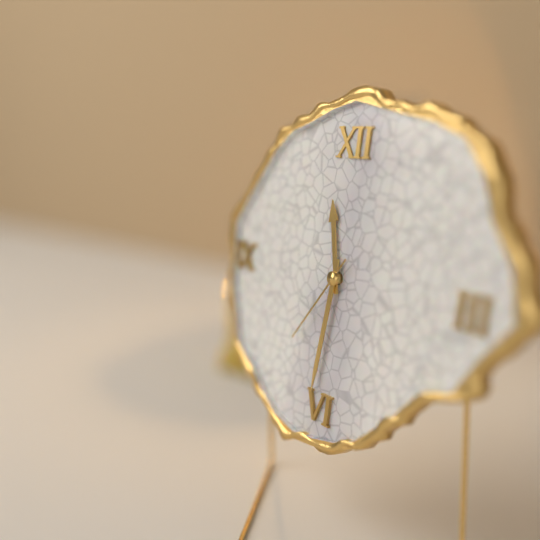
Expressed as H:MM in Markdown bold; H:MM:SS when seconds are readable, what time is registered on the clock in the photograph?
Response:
**11:31:36**
